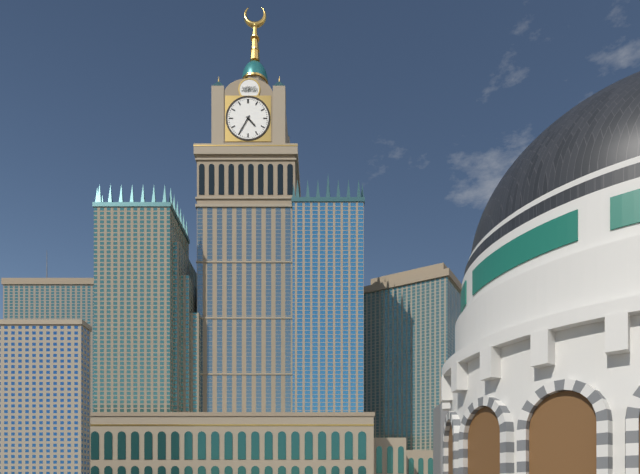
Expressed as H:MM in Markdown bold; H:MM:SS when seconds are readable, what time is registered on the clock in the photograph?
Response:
**4:35**
